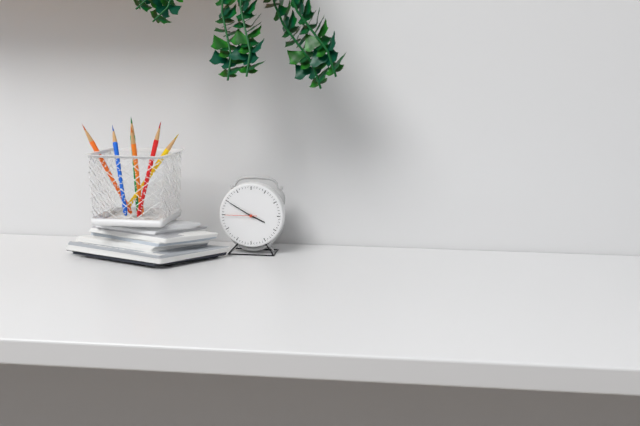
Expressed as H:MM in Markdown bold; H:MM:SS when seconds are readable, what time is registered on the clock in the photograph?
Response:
**3:50**
